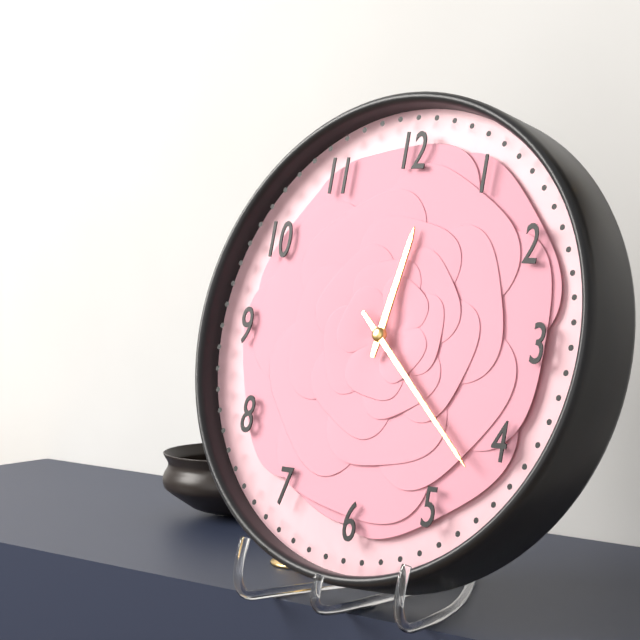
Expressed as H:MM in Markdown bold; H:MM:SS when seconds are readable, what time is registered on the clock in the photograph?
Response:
**12:22**
